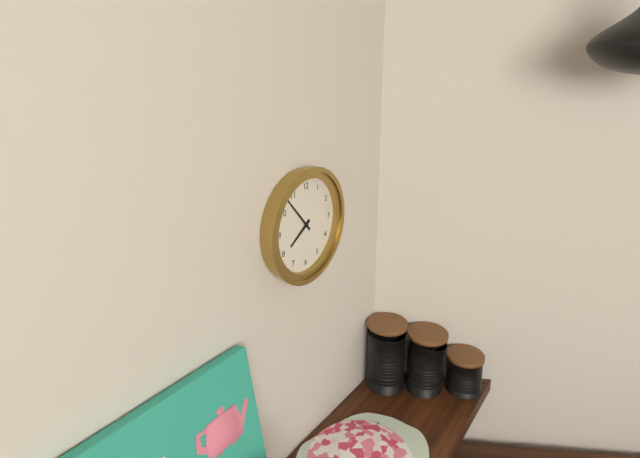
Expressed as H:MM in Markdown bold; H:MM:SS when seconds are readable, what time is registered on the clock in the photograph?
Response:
**7:53**
